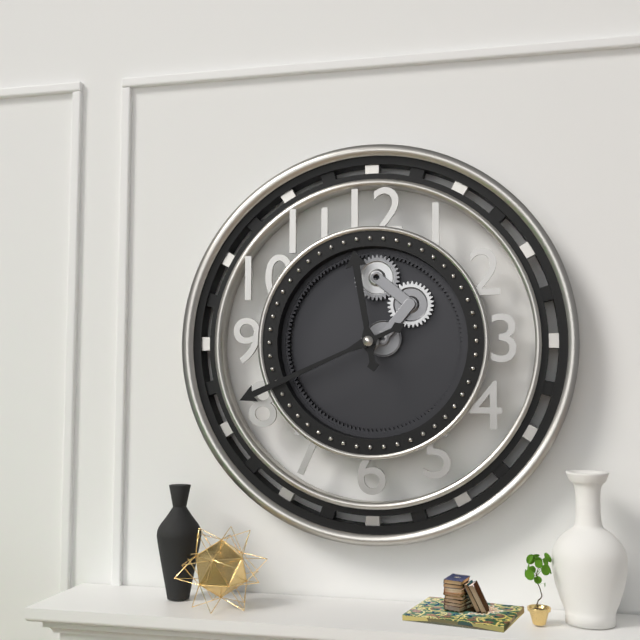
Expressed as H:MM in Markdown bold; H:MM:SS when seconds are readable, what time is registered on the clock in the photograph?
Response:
**11:41**
